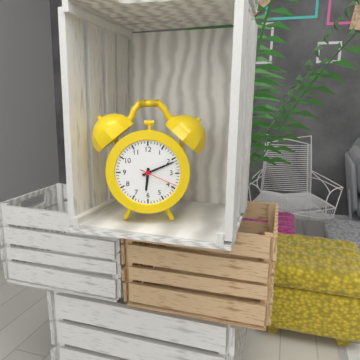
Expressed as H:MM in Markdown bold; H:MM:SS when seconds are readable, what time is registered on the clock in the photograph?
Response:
**6:11**
